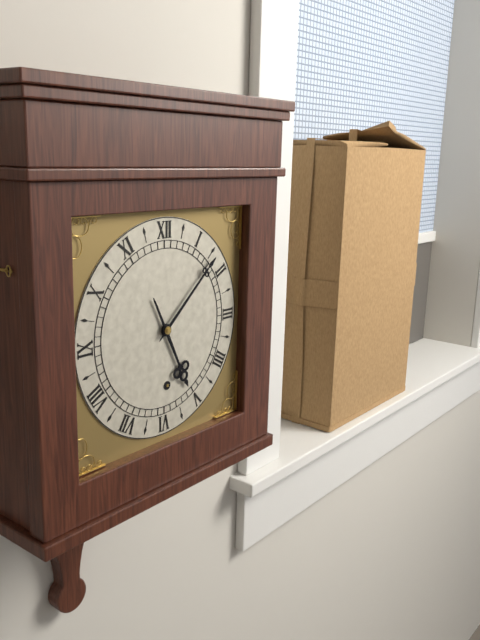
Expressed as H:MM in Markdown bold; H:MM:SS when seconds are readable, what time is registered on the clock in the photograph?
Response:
**5:08**
